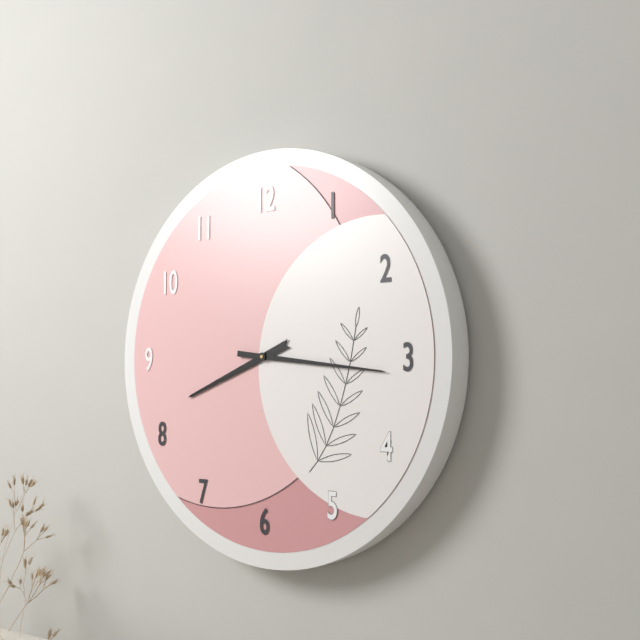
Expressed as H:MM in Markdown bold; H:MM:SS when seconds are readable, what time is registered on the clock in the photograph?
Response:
**8:16**
